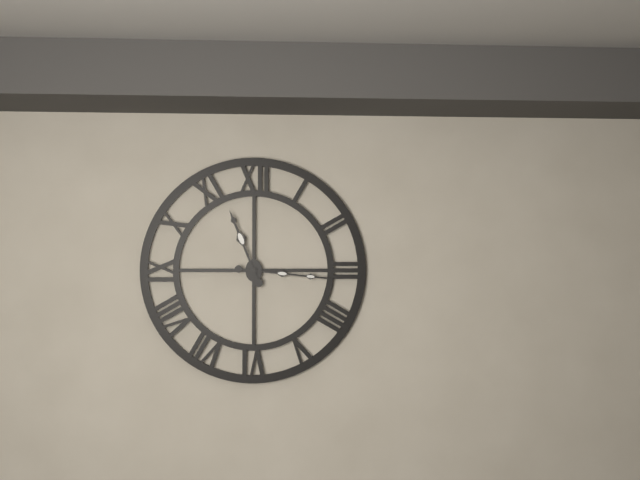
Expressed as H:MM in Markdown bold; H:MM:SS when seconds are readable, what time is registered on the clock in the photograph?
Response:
**11:16**
